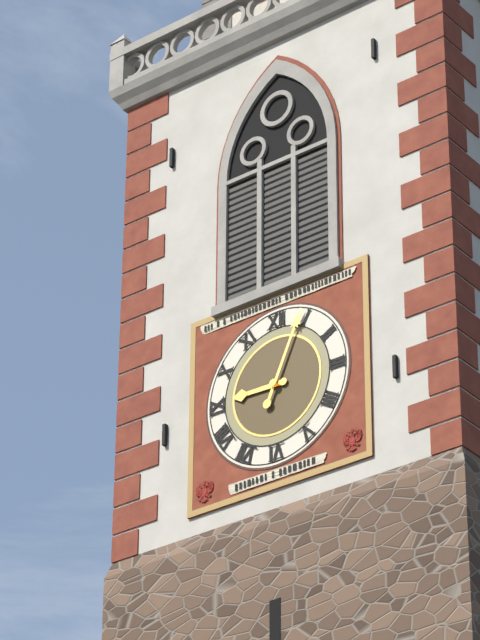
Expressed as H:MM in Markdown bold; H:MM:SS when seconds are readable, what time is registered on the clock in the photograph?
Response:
**9:04**
